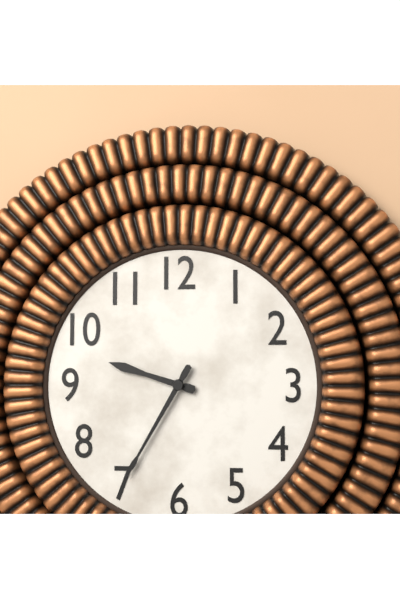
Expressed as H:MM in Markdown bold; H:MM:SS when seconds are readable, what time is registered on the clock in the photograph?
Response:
**9:35**
